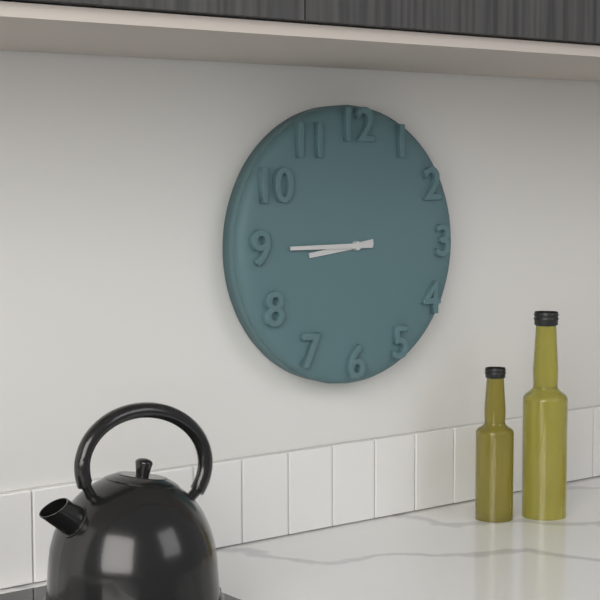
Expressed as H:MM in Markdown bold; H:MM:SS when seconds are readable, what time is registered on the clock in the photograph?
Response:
**8:45**
